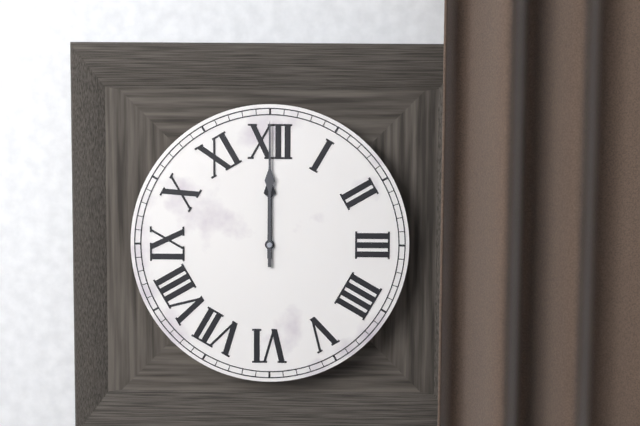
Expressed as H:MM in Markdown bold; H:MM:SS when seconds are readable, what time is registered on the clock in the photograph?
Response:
**12:00**
